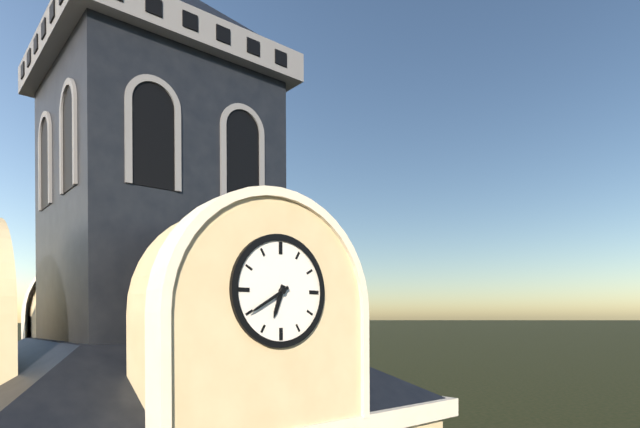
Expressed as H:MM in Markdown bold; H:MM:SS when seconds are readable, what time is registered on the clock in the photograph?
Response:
**6:40**
